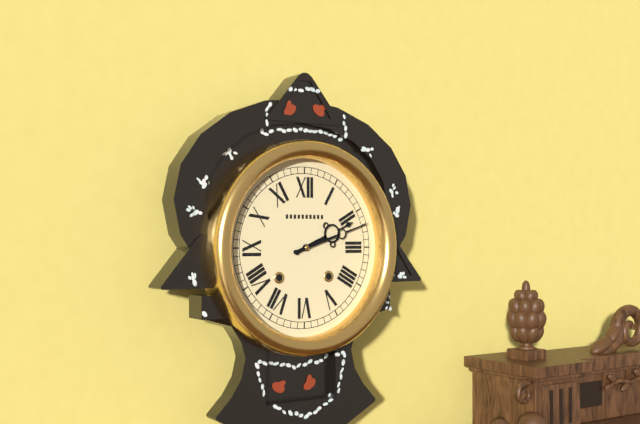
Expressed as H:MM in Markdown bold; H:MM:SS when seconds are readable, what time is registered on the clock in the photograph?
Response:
**2:12**
